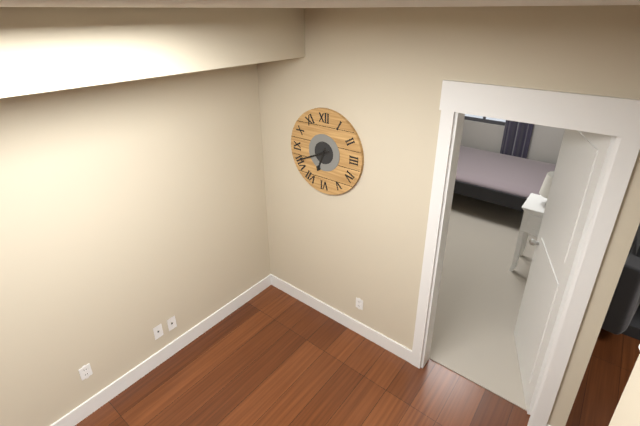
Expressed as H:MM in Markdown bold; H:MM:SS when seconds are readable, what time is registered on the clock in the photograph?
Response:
**6:41**
